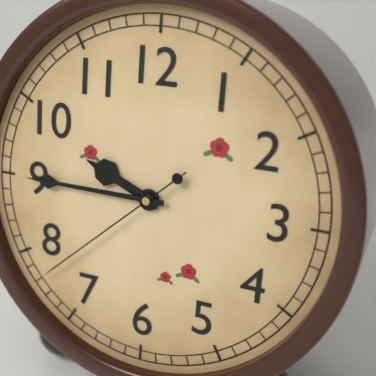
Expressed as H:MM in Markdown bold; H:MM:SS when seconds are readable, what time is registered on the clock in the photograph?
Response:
**9:45:38**
